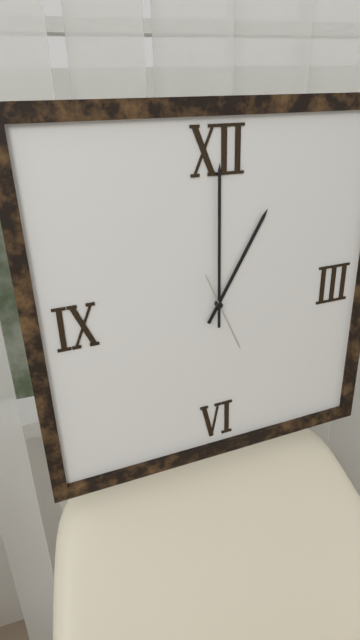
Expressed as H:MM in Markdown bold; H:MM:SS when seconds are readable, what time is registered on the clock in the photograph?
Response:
**1:00:26**
